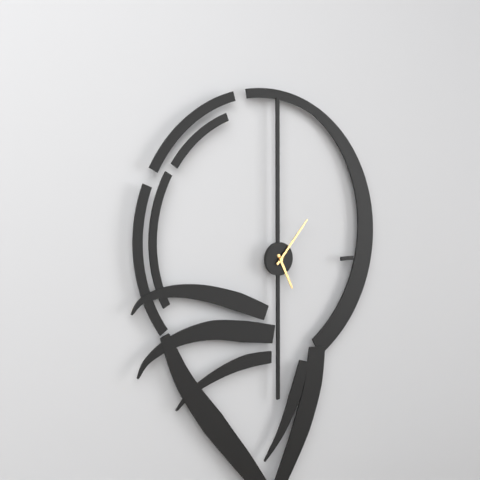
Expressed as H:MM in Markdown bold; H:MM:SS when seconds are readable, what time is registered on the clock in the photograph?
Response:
**5:07**
